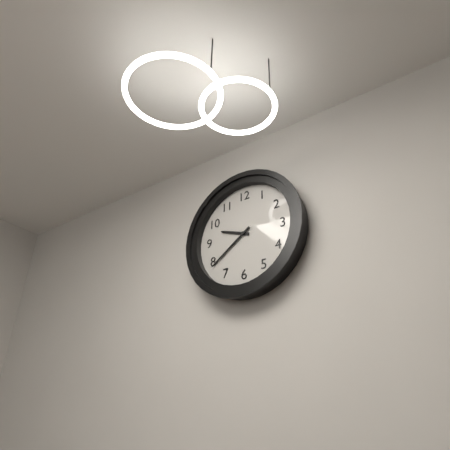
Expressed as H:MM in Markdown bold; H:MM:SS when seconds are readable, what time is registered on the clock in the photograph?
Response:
**9:39**
